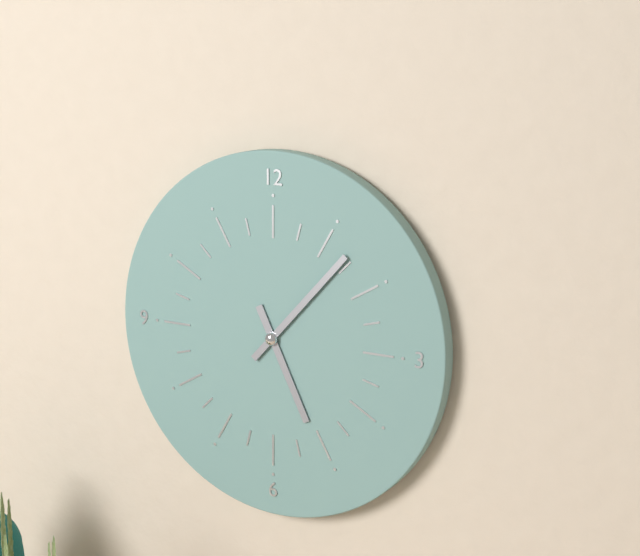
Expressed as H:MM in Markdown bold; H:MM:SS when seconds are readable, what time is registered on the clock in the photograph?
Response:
**5:07**
